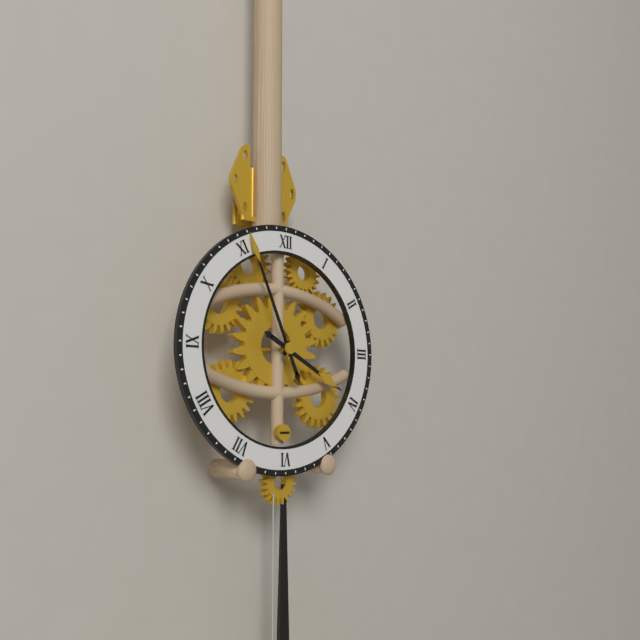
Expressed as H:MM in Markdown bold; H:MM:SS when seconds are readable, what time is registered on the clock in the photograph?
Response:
**3:56**
